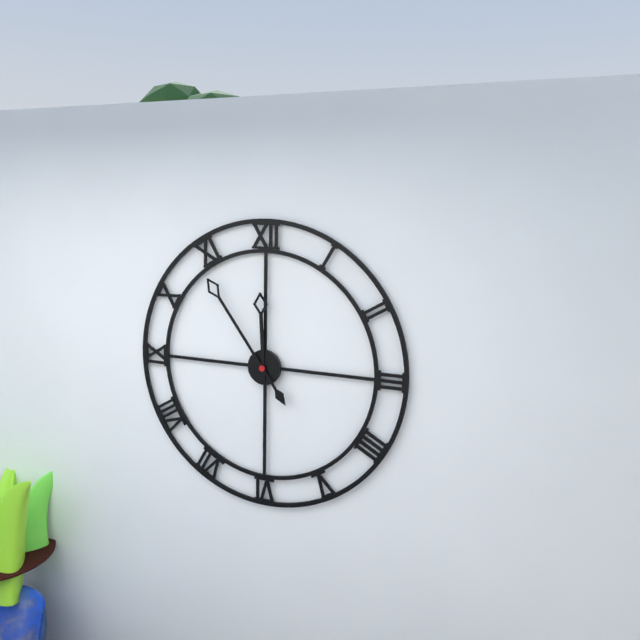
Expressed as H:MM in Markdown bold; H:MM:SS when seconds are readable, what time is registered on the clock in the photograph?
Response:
**11:54**
